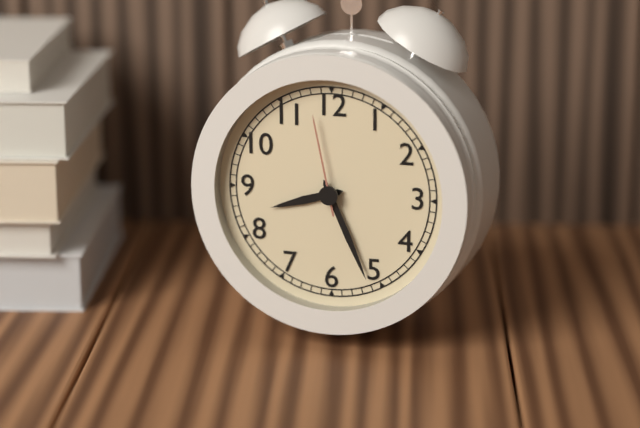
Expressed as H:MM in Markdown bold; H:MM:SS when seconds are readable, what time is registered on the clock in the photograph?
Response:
**8:26:58**
